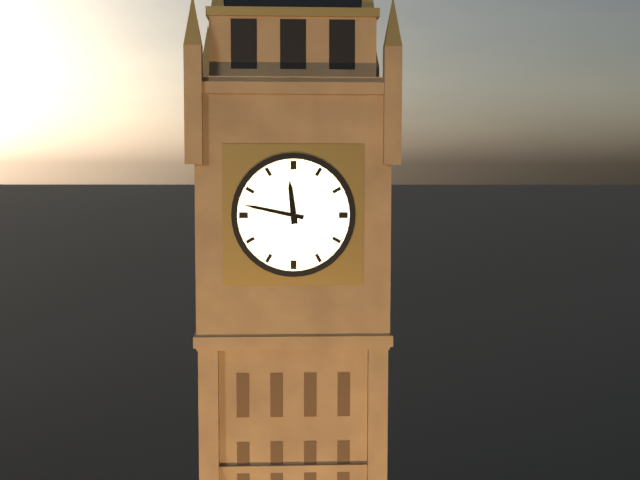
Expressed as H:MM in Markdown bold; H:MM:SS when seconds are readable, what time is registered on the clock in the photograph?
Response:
**11:47**
